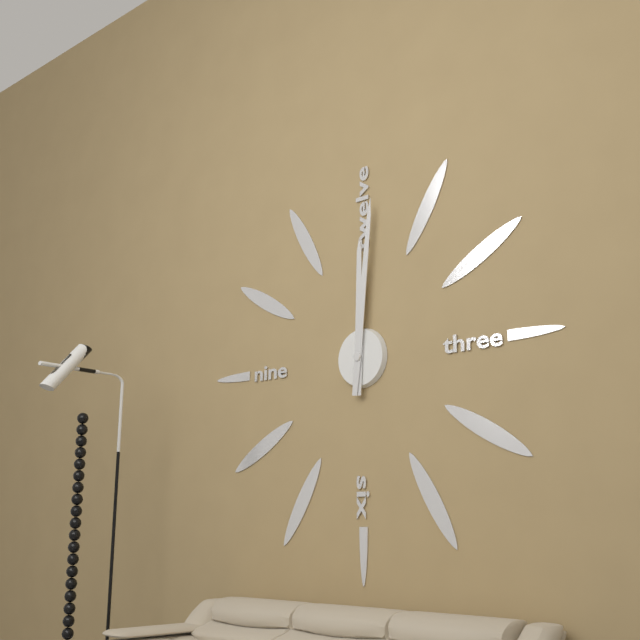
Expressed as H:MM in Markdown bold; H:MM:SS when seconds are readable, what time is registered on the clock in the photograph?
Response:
**12:01**
